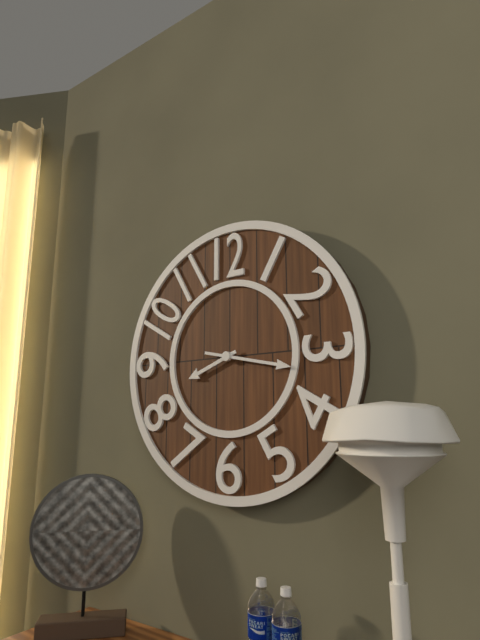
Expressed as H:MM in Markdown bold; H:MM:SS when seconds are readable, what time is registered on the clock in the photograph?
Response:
**8:17**
